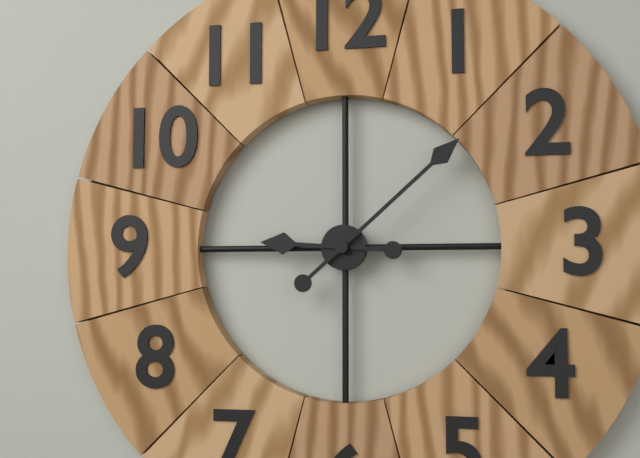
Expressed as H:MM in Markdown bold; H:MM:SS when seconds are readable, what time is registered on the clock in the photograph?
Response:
**9:08**
